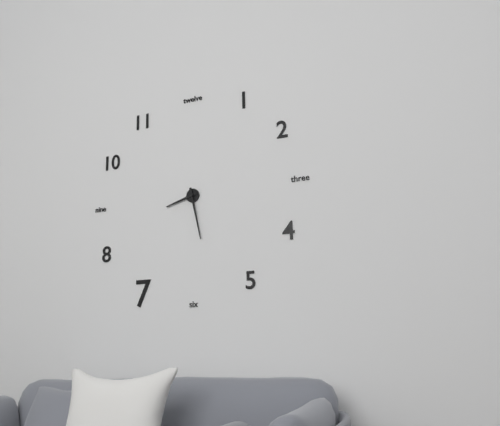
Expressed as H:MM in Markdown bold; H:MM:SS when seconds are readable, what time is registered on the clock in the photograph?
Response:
**8:28**
